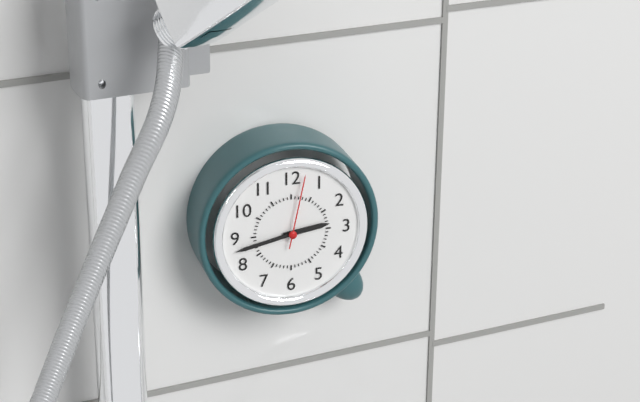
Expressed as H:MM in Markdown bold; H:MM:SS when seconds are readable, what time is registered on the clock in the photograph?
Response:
**2:43:02**
